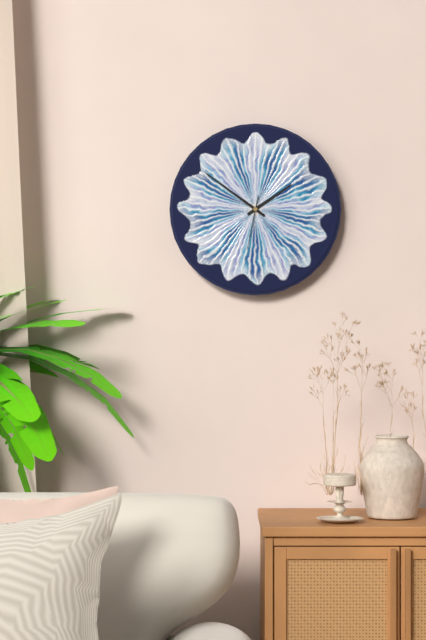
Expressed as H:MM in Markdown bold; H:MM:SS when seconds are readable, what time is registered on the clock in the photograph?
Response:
**1:51:32**
